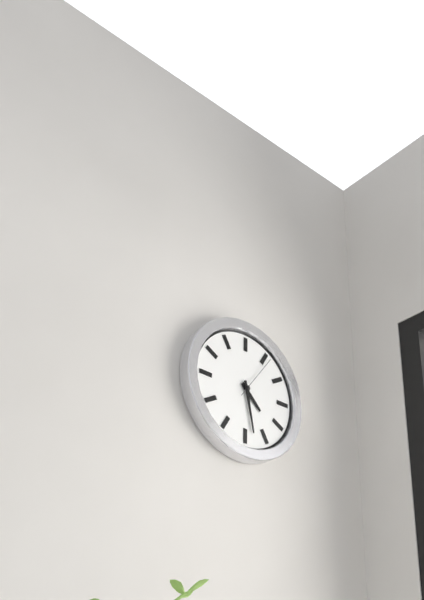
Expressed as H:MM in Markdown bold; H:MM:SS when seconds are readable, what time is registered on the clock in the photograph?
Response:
**4:28**
